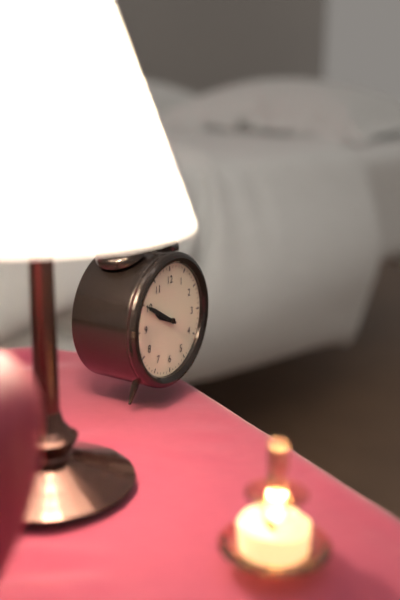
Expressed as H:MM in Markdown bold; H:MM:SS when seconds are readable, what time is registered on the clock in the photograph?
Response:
**9:50**
